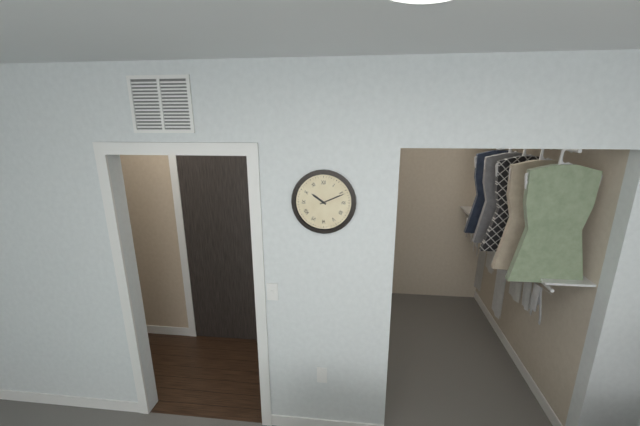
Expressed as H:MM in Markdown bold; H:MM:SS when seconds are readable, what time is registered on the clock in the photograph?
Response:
**10:11**
